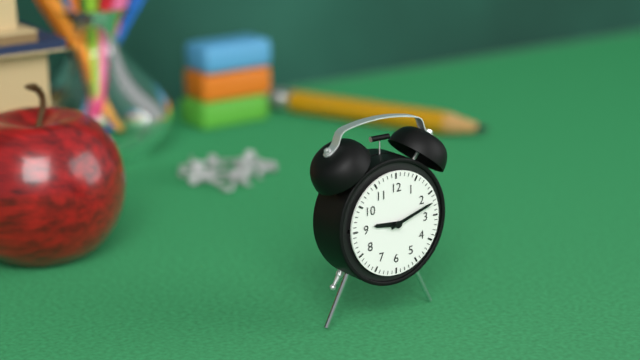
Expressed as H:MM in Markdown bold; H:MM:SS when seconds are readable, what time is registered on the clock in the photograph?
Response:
**9:12**
